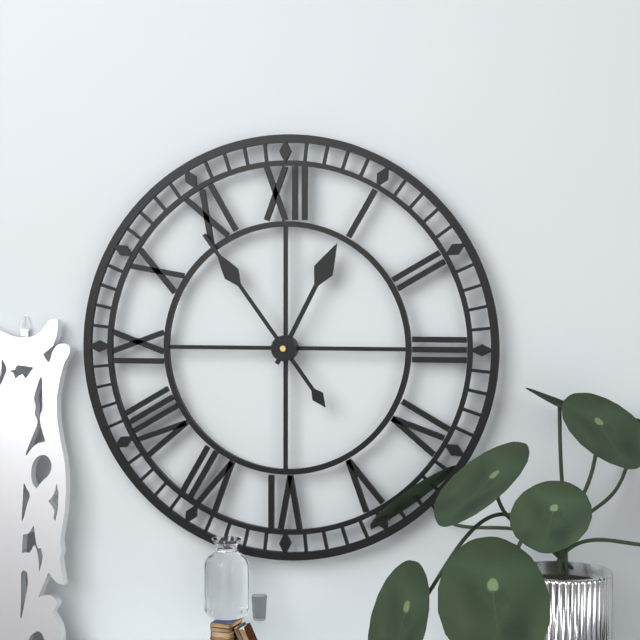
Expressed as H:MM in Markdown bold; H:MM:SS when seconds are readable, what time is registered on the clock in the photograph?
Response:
**12:54**
